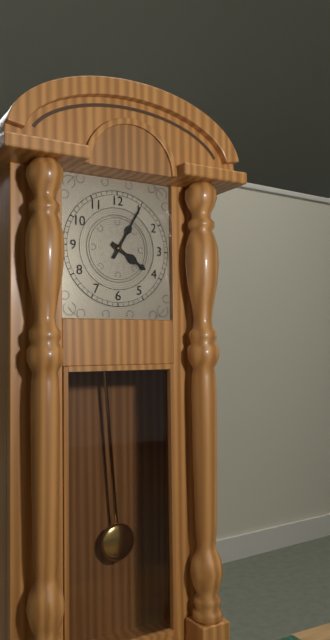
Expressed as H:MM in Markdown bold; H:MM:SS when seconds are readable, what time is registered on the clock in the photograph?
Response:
**4:05**
